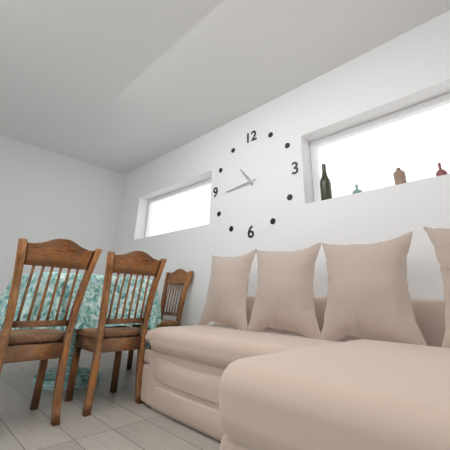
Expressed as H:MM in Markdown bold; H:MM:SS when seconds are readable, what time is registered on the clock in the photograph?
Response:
**10:44**
